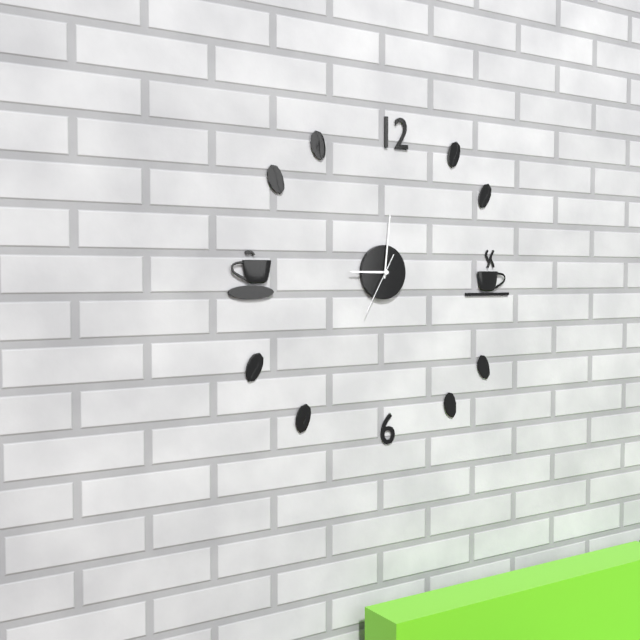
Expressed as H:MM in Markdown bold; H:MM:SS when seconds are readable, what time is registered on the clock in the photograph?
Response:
**9:01:35**
